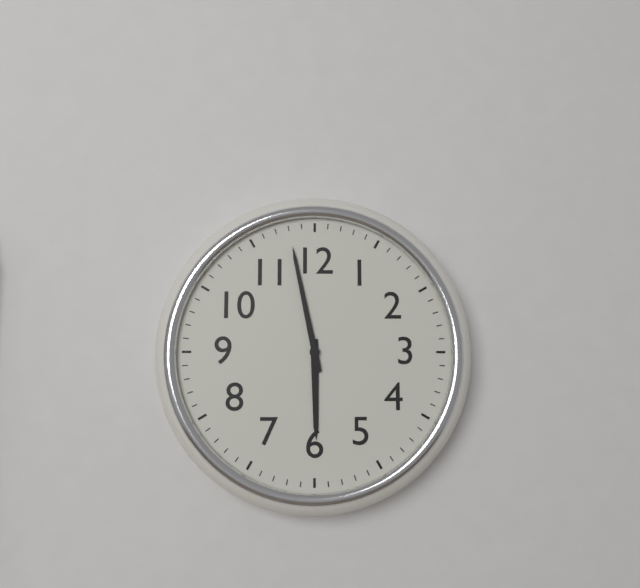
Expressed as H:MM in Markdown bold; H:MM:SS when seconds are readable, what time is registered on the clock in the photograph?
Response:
**5:58**
